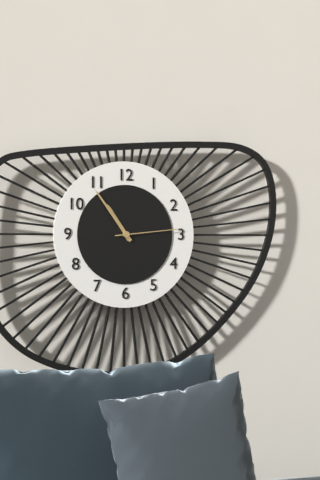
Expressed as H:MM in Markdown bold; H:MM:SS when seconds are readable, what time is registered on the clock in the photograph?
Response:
**10:54:14**
